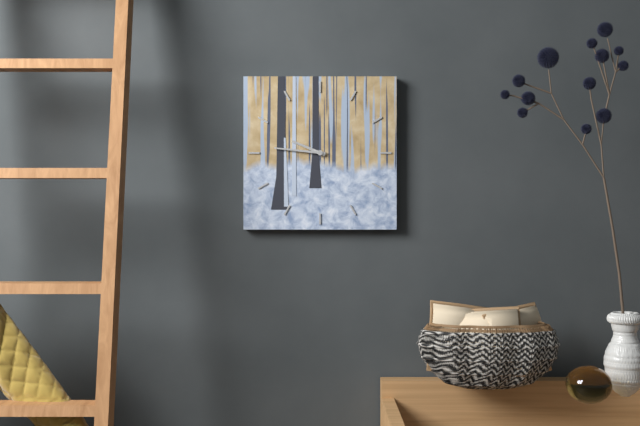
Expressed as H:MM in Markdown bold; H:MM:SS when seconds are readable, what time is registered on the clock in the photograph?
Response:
**9:46**
